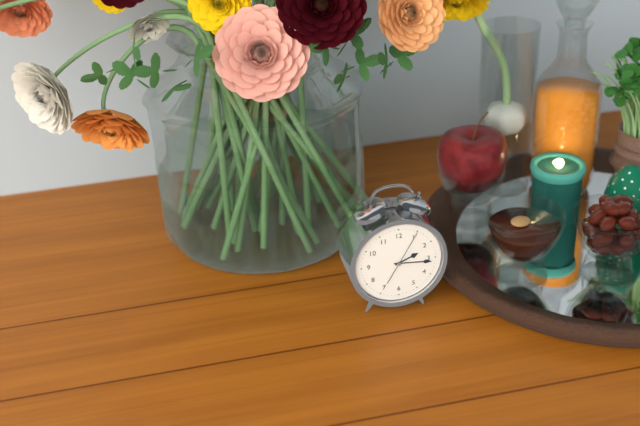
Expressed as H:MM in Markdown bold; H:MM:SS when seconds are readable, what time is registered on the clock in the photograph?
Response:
**2:16**
